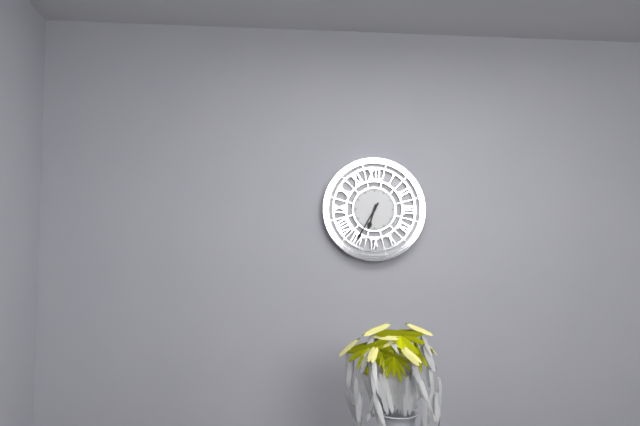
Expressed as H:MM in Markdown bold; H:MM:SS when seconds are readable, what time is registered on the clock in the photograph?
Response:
**6:35**
